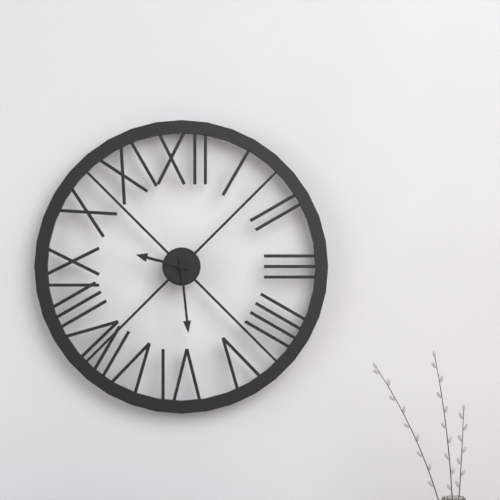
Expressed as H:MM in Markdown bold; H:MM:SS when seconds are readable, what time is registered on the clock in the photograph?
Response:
**9:29**
